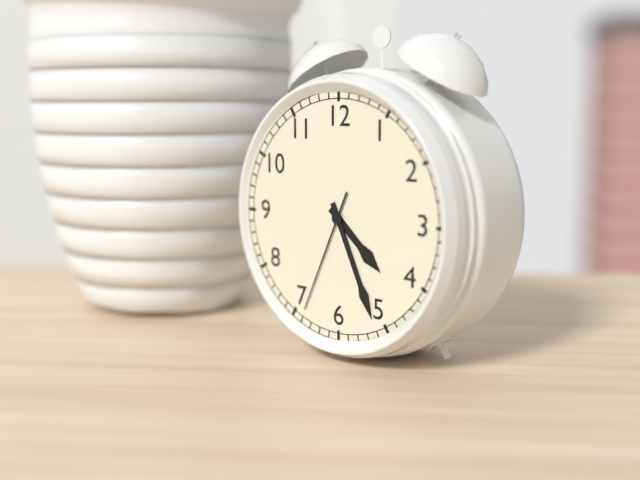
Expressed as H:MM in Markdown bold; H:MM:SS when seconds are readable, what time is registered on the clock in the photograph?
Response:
**4:26:34**
